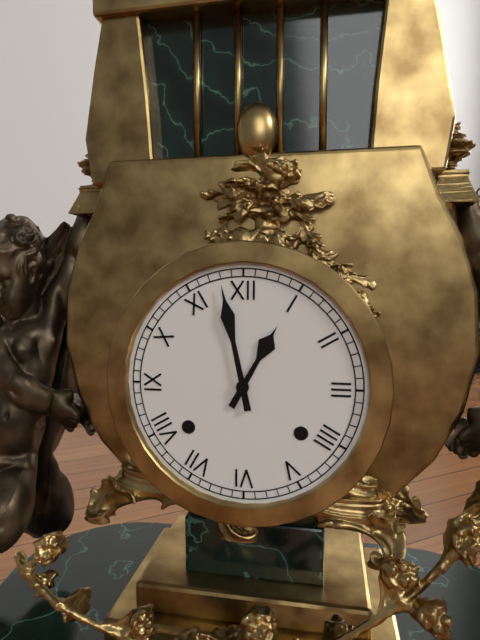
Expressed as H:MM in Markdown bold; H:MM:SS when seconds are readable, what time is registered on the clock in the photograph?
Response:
**12:58**
